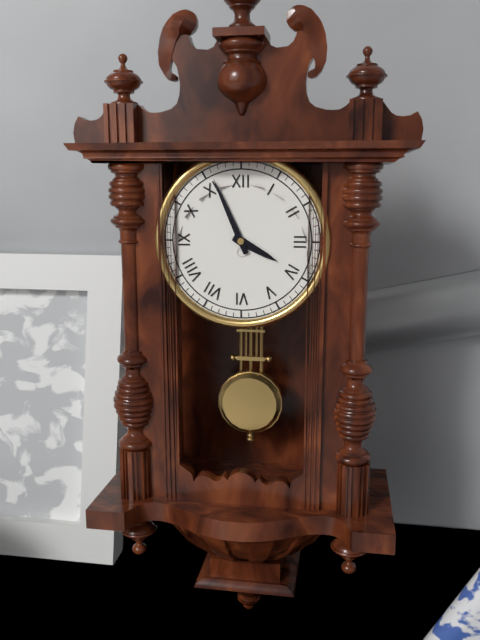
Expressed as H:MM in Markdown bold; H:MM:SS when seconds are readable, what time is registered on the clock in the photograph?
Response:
**3:56**
